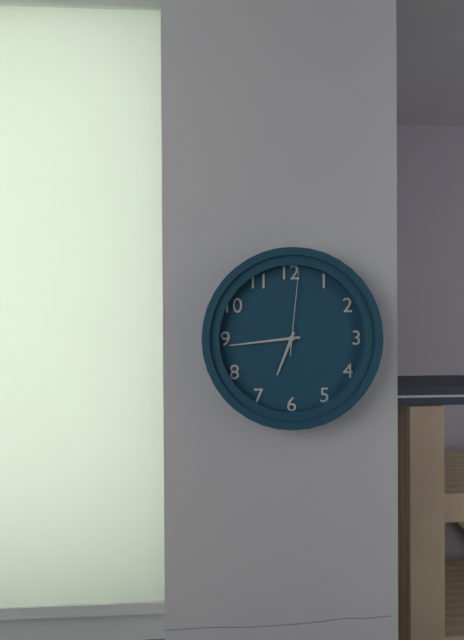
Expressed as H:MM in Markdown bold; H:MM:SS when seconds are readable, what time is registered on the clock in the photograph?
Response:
**6:44:01**
